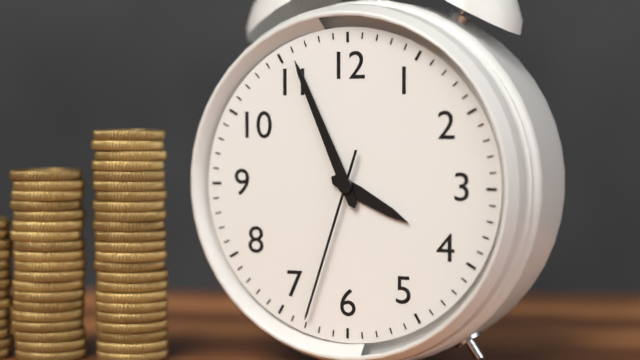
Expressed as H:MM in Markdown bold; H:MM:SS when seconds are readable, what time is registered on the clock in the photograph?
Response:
**3:56:33**
